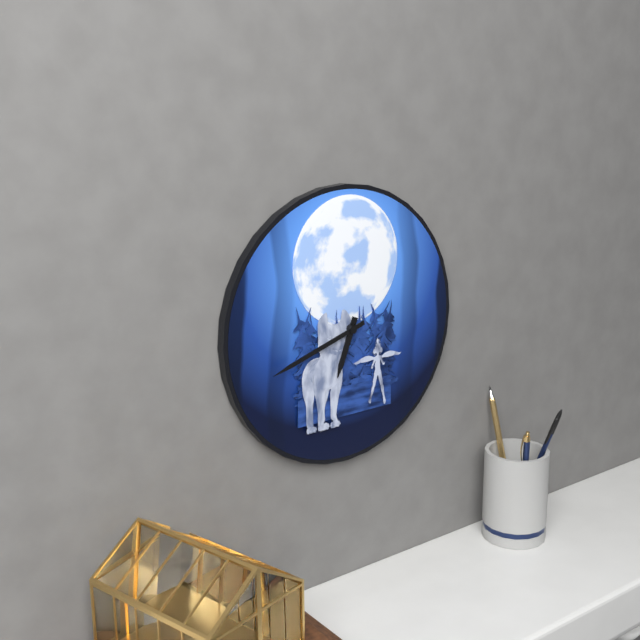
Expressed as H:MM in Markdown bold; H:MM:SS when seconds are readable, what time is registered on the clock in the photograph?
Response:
**6:42**
